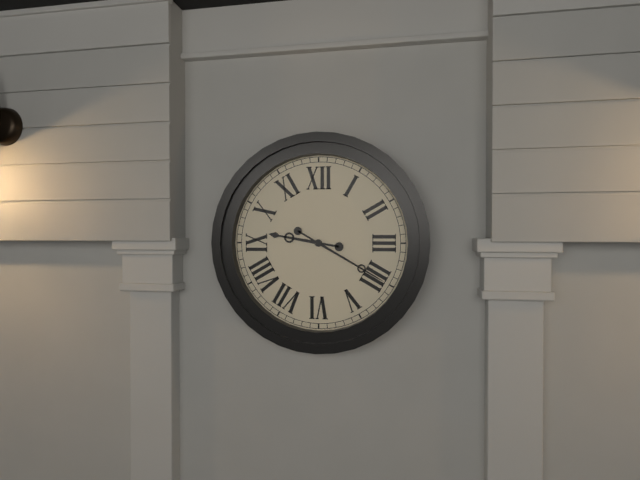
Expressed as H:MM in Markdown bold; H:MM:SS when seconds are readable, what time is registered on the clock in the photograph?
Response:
**9:20**
